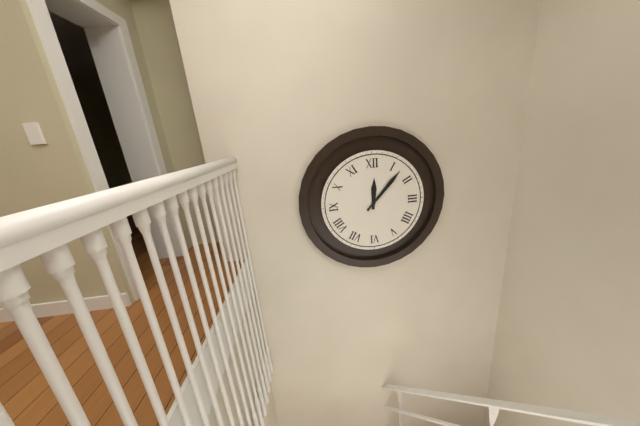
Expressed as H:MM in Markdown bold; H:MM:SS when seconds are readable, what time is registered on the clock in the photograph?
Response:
**12:07**
